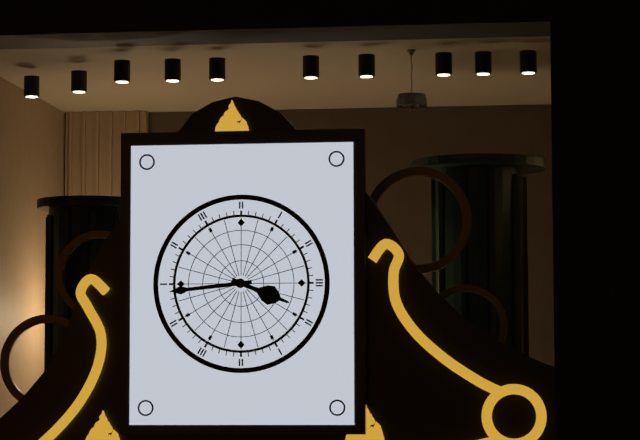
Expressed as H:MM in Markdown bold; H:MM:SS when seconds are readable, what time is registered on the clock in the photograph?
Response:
**3:44**
